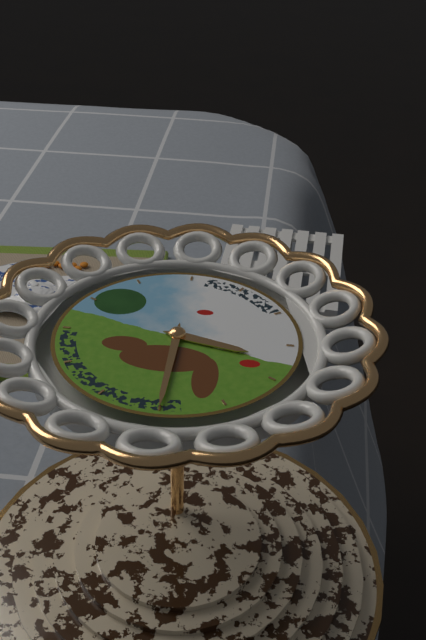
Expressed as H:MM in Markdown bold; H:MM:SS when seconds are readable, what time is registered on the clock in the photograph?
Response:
**3:30**
